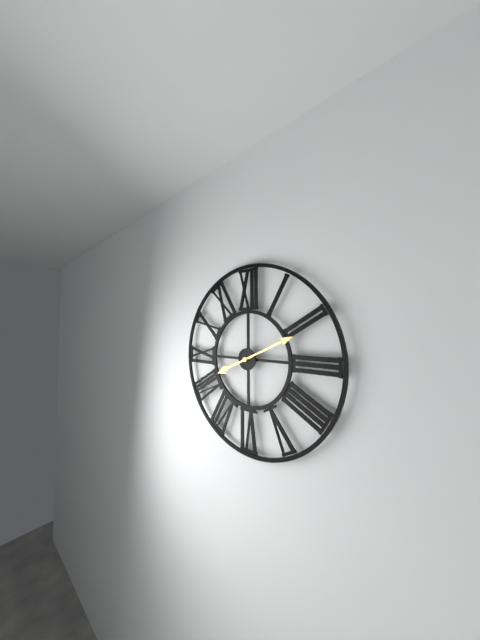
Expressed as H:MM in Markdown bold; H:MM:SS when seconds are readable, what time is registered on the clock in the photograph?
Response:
**8:11**
